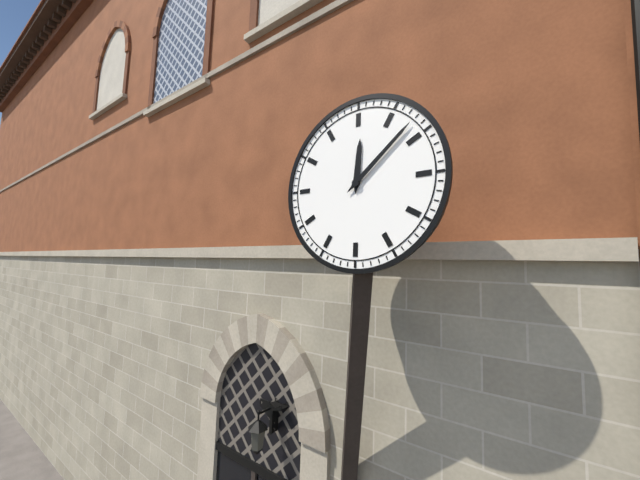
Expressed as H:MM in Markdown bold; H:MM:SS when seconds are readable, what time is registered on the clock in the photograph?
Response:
**12:08**
